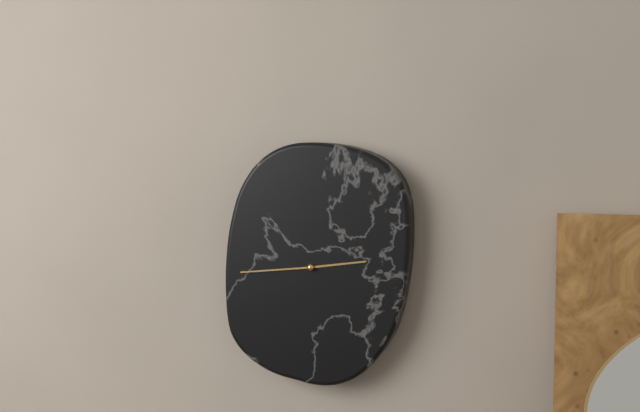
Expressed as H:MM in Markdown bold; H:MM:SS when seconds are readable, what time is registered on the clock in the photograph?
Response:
**2:44**
